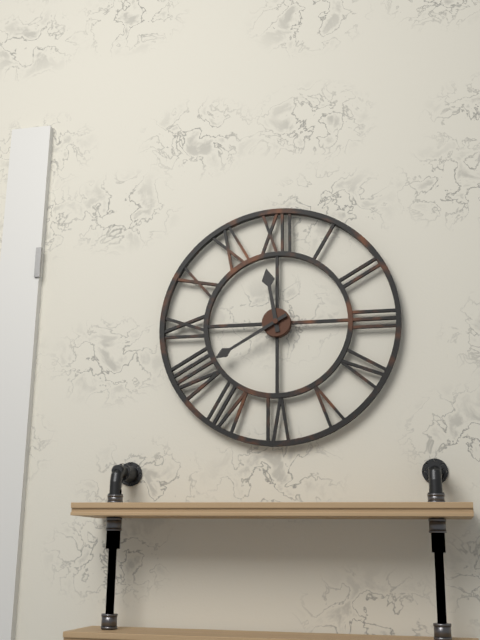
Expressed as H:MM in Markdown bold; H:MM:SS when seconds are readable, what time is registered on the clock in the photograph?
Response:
**11:40**
